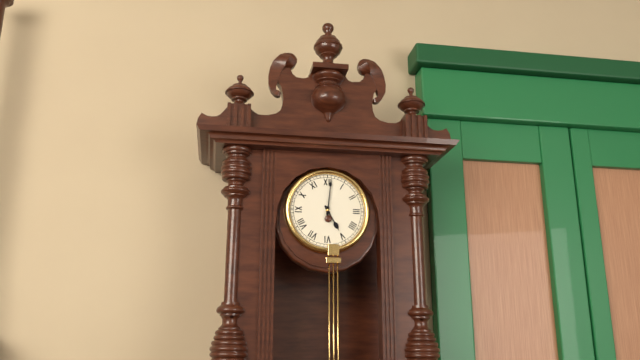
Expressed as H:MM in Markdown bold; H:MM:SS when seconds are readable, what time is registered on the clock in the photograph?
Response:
**5:01**
